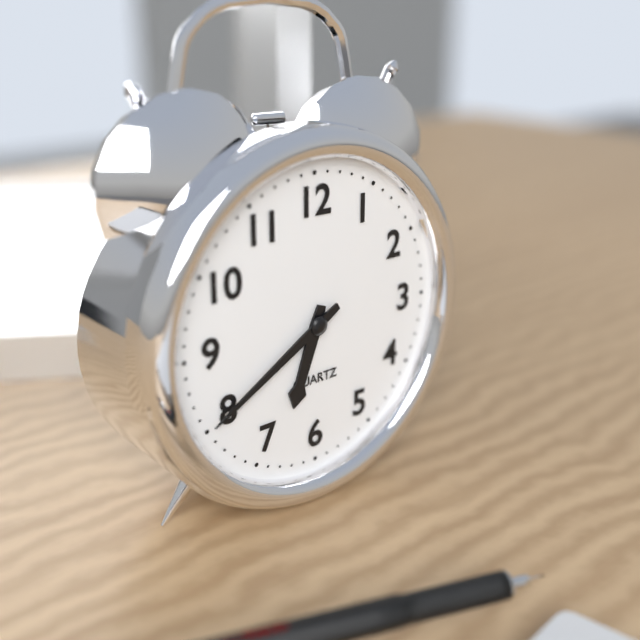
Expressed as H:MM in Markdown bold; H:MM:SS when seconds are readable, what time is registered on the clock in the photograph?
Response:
**6:40**
